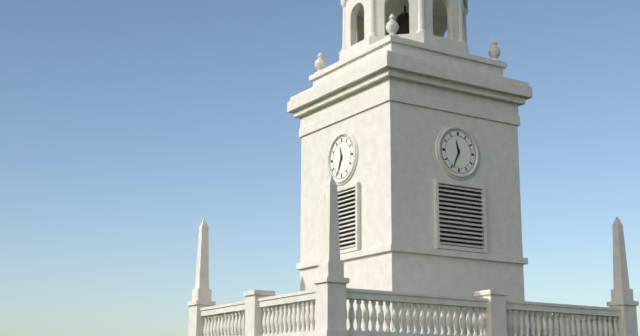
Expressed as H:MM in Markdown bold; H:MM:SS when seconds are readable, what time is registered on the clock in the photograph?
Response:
**11:34**
